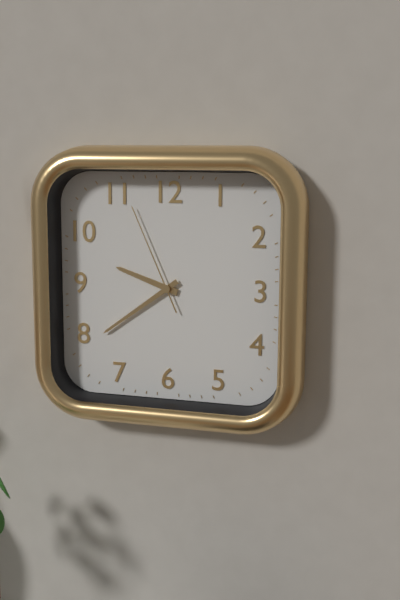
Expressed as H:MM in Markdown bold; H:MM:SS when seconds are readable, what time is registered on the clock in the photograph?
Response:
**9:39:56**
